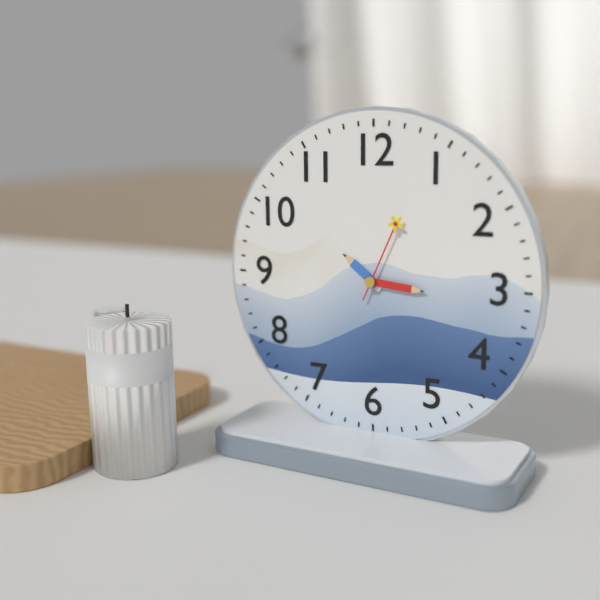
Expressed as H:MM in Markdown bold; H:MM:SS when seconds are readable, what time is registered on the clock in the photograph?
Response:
**10:16:04**
